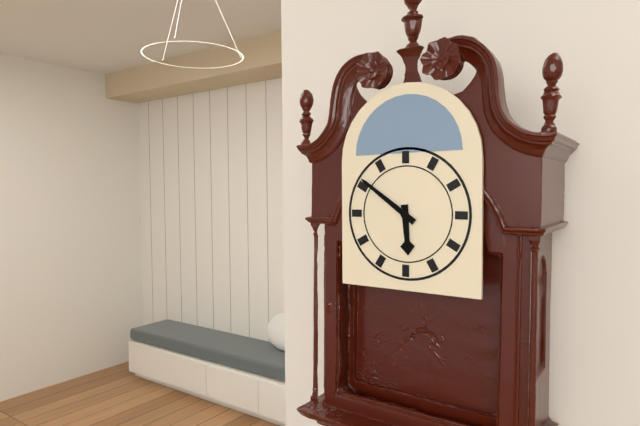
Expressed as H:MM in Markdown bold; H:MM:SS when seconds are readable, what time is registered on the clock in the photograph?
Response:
**5:51**
